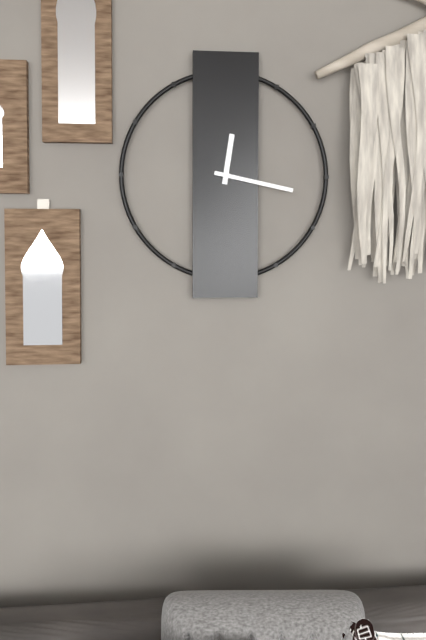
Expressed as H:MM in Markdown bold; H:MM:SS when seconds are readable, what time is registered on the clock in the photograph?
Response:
**12:17**
